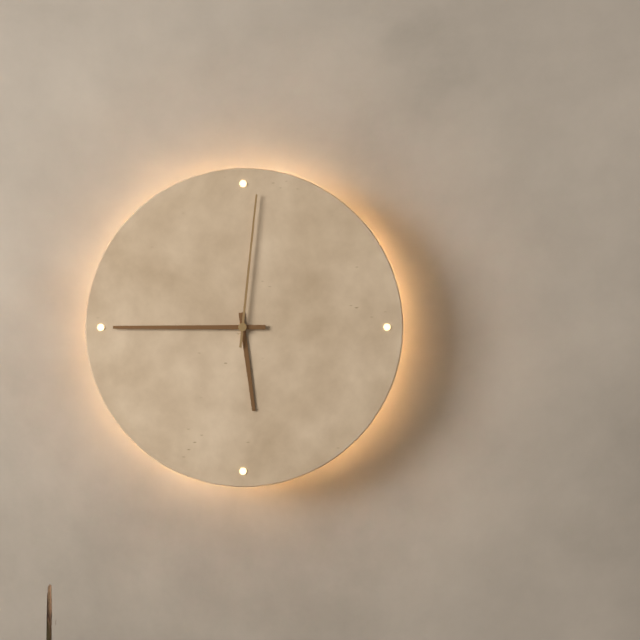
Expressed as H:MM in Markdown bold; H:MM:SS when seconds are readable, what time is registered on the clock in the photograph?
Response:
**5:45:01**
